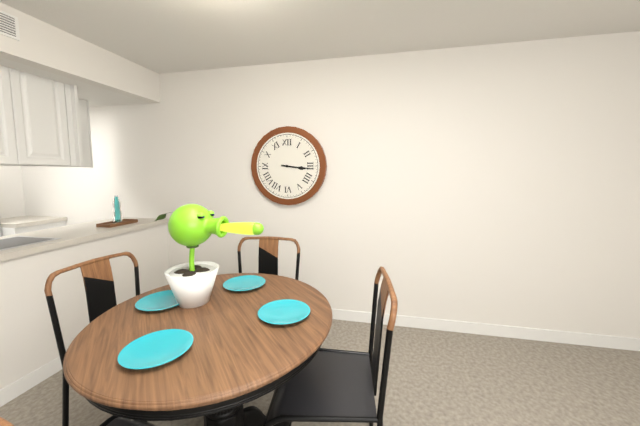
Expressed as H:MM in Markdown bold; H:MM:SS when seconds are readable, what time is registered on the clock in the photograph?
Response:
**3:16**
